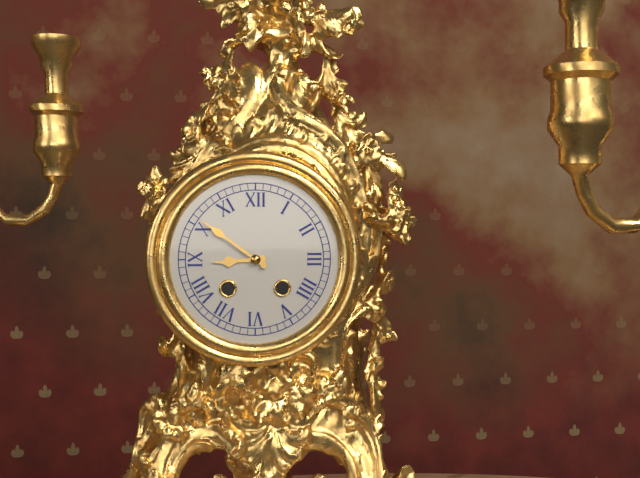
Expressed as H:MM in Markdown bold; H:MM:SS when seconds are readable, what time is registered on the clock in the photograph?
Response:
**8:51**
